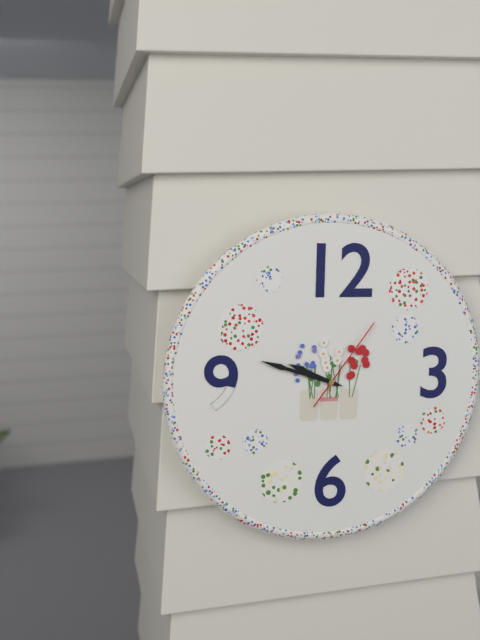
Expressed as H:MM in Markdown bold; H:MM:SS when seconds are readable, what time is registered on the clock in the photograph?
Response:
**9:48:06**
